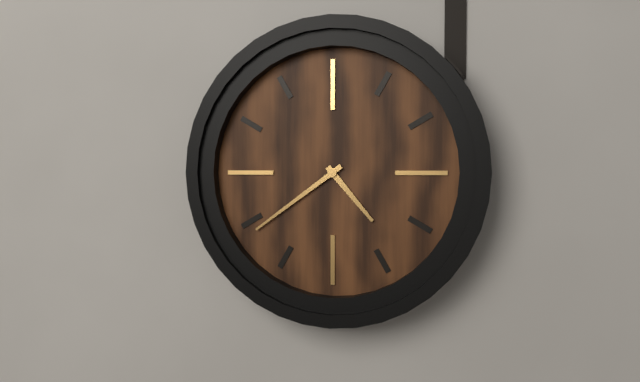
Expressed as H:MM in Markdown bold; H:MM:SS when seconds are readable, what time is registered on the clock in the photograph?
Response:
**4:39**
